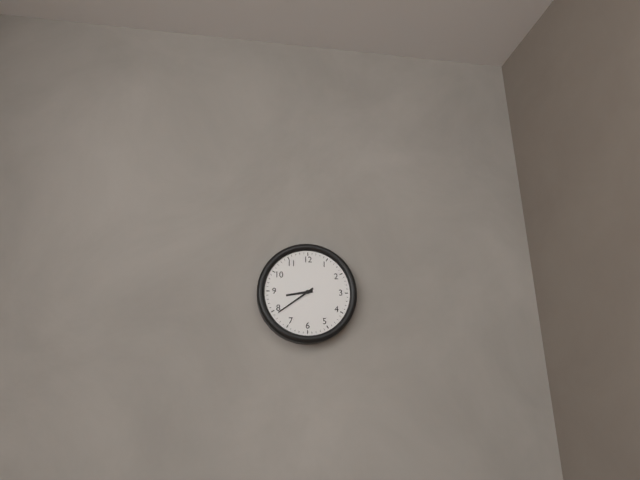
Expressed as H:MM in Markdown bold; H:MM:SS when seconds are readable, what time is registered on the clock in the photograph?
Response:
**8:39**
